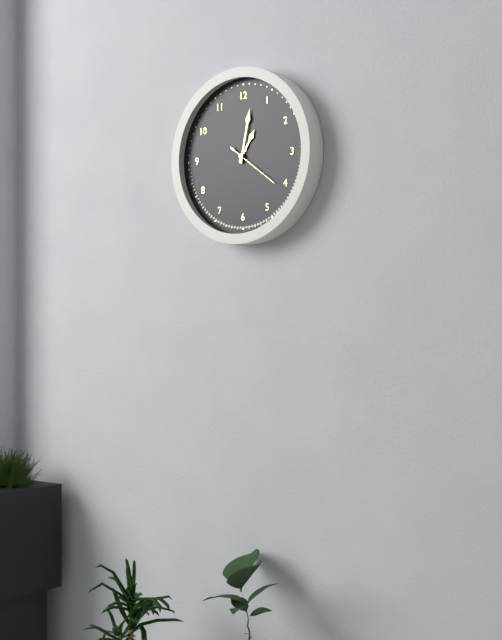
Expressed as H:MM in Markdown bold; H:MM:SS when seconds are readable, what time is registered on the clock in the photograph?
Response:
**1:02:21**
